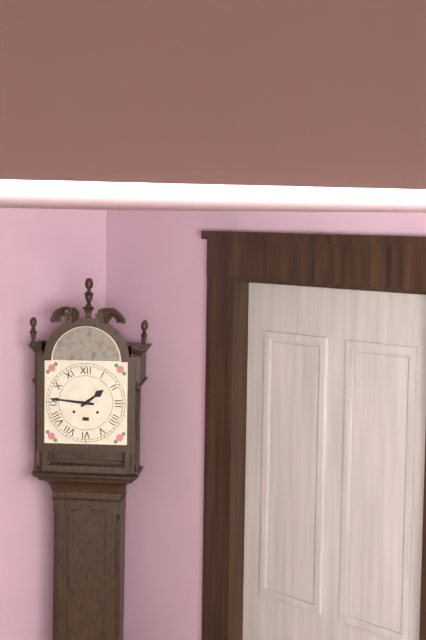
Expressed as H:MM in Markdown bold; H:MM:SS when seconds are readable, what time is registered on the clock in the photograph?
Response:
**1:46**
